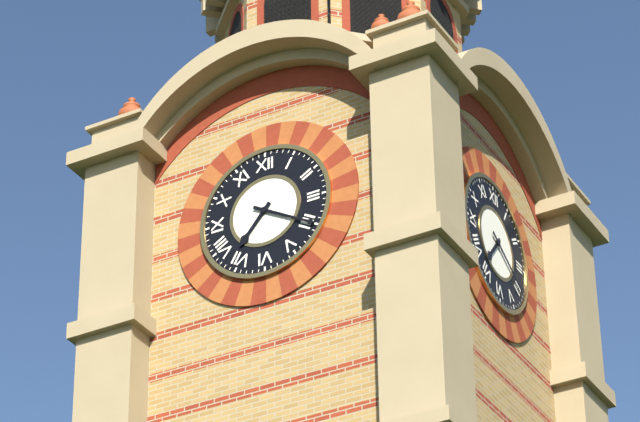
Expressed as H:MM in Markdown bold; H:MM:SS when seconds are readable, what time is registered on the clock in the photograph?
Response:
**7:20**
